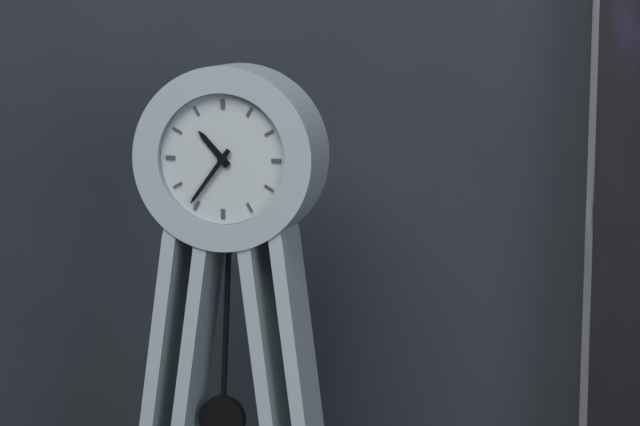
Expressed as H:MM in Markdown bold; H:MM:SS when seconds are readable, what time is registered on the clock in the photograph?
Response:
**10:36**
